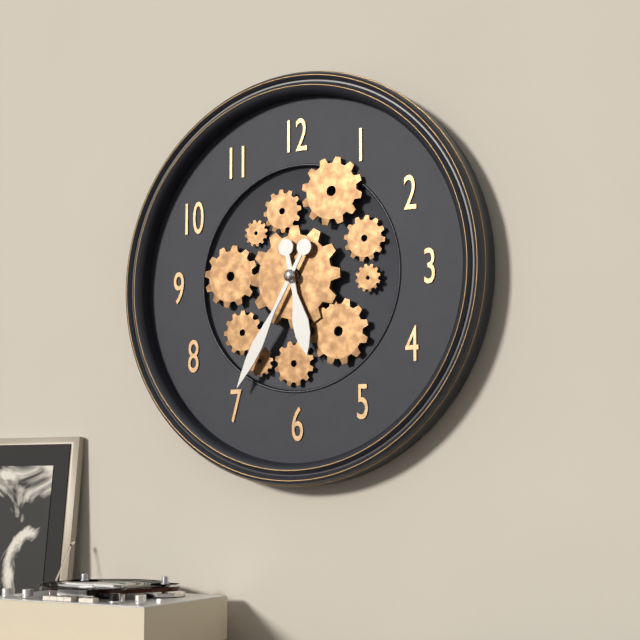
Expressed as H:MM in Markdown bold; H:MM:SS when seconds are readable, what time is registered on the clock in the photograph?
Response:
**5:35**
